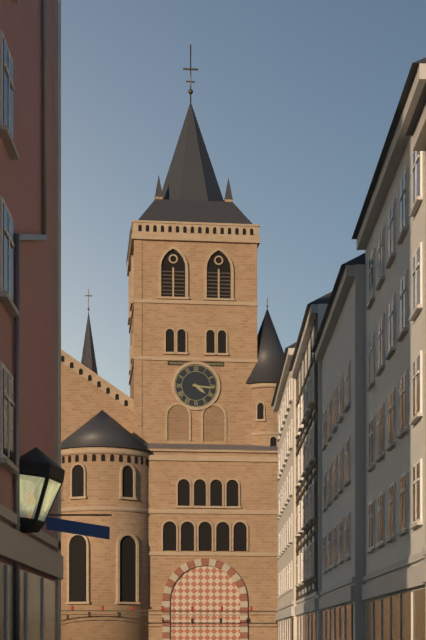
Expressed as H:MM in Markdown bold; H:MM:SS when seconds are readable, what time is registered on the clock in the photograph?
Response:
**4:16**
